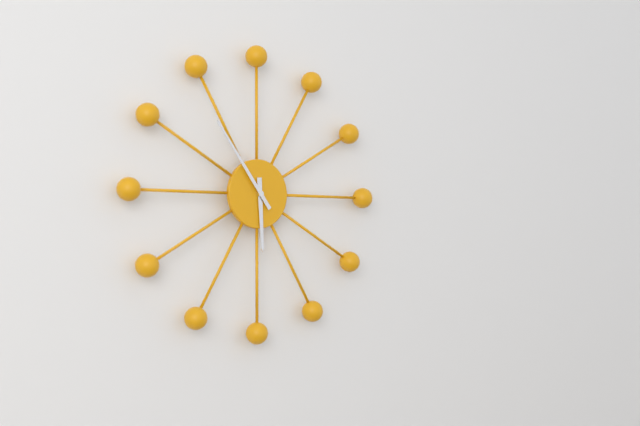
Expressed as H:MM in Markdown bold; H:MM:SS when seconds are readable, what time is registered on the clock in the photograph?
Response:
**5:54**
